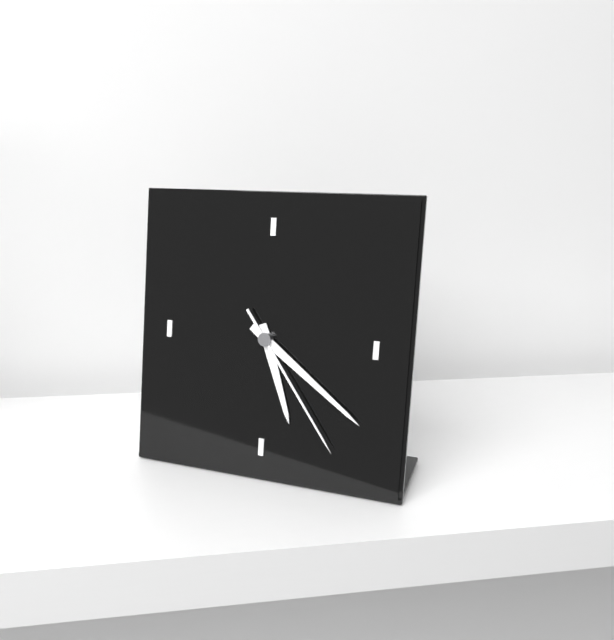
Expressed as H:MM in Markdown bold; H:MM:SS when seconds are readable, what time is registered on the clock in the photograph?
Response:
**5:21:24**
